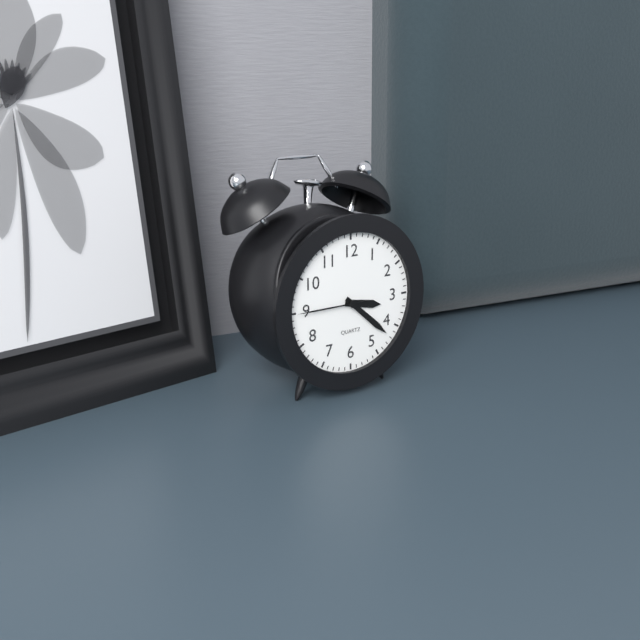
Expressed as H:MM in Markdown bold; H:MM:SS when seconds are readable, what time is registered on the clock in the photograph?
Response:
**3:22:45**
